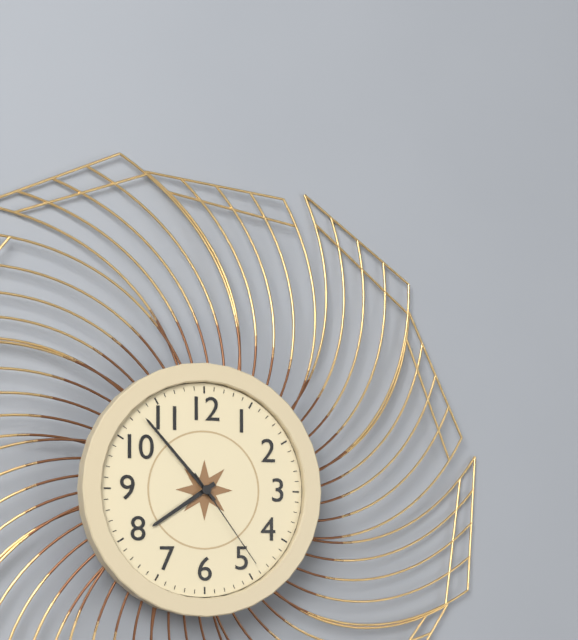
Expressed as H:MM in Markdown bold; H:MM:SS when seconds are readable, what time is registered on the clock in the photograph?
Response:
**7:53:24**
